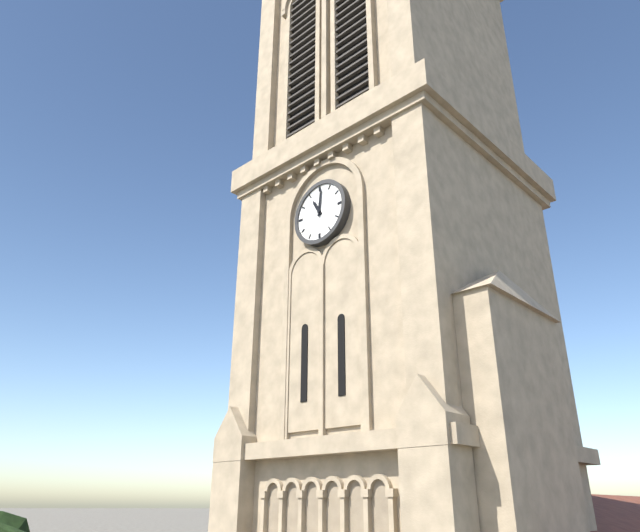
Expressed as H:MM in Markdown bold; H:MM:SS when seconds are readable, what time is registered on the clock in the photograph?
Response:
**11:01**
